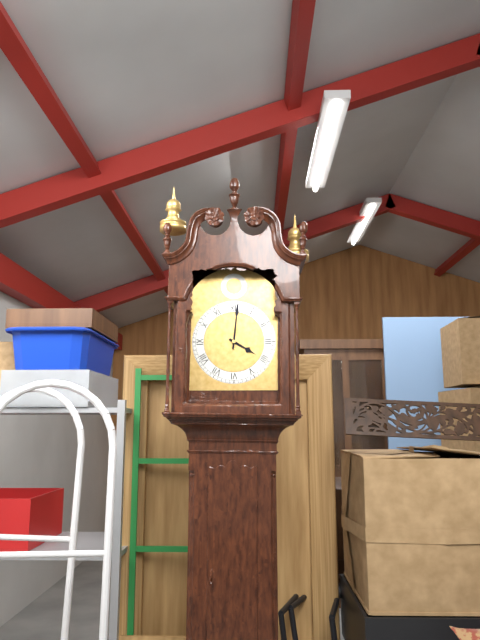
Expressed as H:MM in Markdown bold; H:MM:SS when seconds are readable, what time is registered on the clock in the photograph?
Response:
**4:01**
